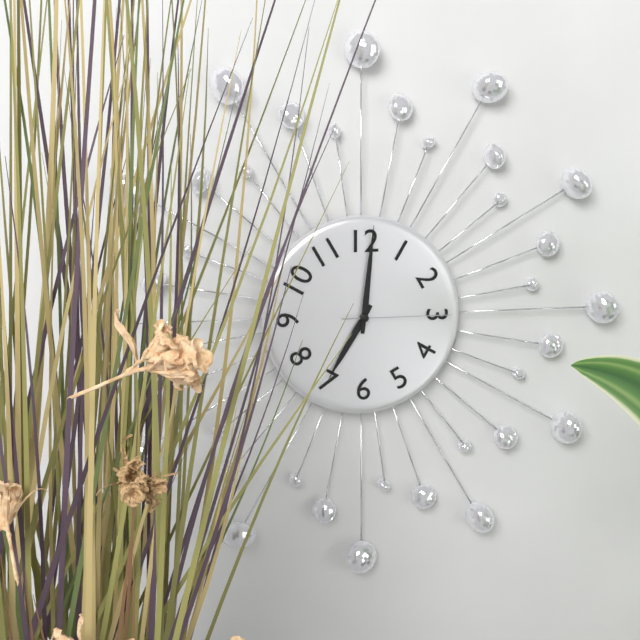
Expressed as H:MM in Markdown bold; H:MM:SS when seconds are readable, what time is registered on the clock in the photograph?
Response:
**7:01:15**
